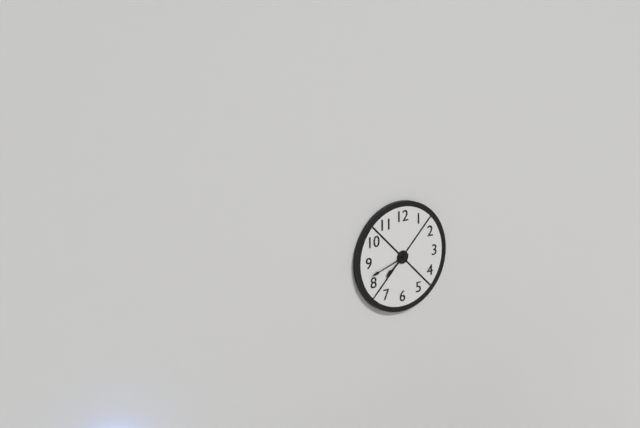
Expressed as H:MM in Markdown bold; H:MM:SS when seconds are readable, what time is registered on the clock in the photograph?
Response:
**7:42**
